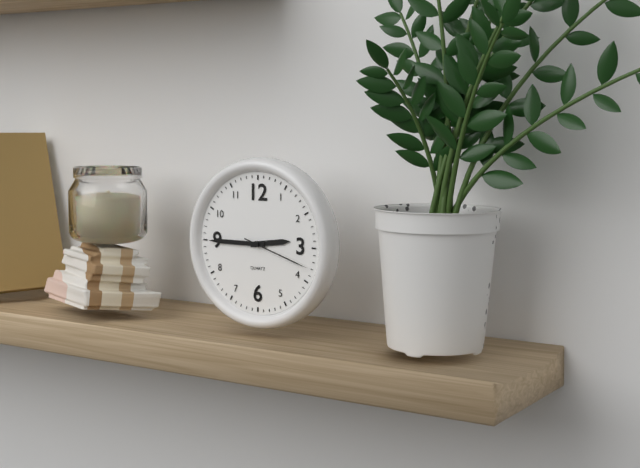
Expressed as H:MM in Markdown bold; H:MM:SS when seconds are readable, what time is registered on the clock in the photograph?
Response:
**2:45:18**
